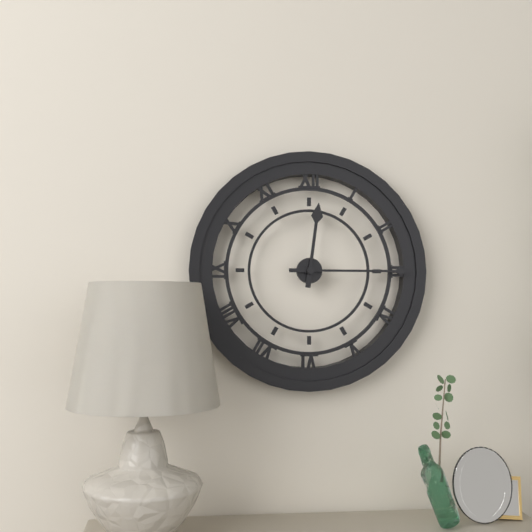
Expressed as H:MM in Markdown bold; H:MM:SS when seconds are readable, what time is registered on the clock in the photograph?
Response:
**12:15**
